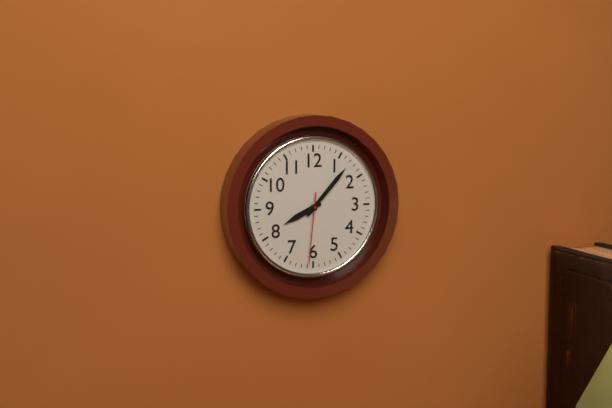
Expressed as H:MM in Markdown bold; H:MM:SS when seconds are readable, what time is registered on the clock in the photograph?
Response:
**8:07:31**
